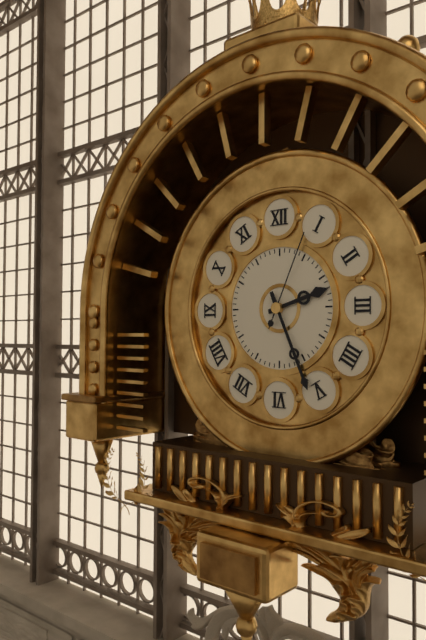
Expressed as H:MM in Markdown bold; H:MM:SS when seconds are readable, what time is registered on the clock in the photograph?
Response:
**2:26:04**
